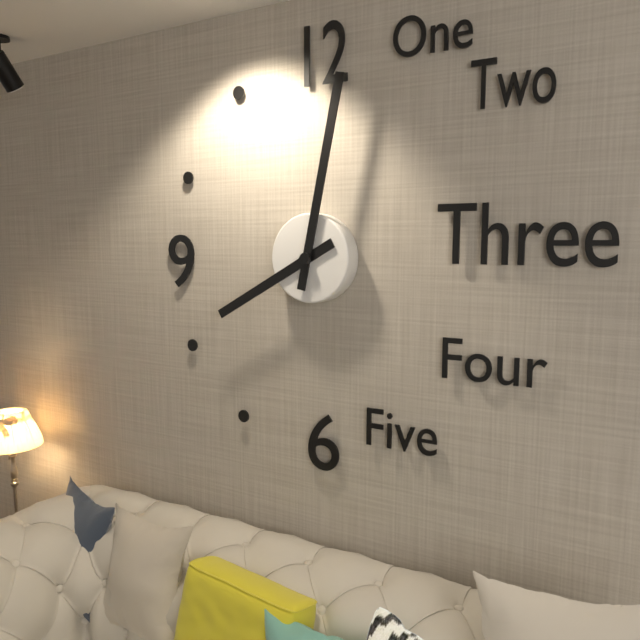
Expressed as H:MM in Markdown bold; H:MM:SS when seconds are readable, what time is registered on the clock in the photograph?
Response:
**8:02**
